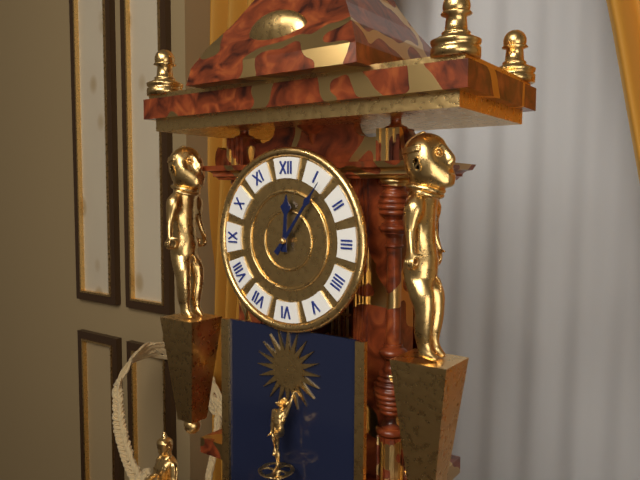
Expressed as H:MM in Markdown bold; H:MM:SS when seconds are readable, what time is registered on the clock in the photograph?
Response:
**12:06**
